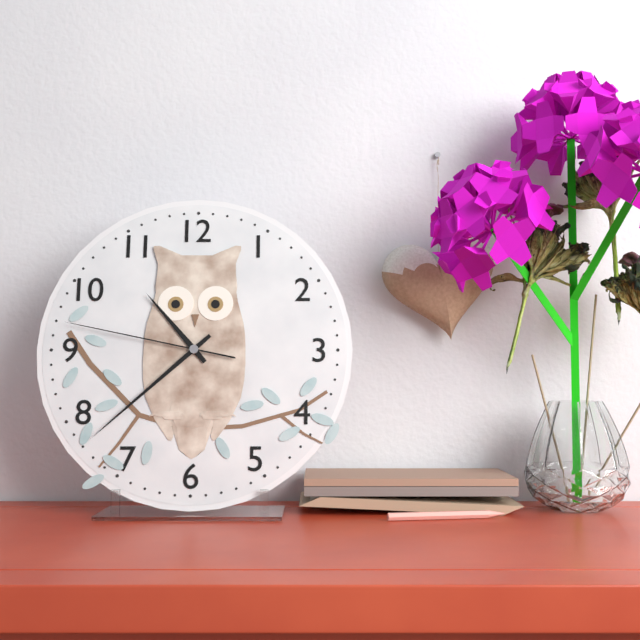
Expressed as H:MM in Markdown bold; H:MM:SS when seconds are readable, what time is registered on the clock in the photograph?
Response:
**10:38:47**
